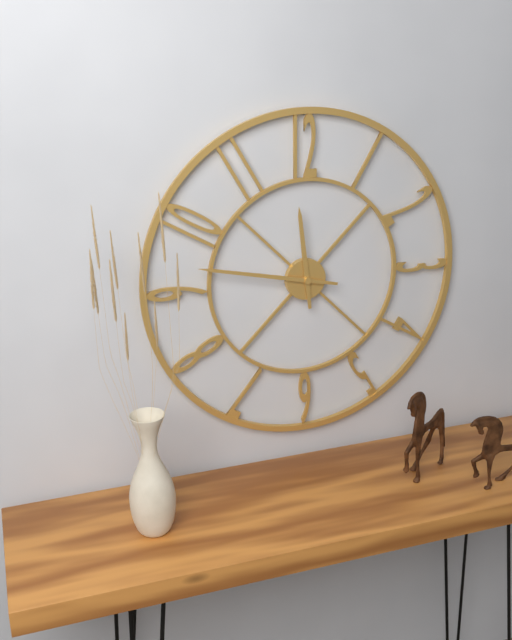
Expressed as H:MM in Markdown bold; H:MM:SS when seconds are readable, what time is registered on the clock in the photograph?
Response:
**11:47**
